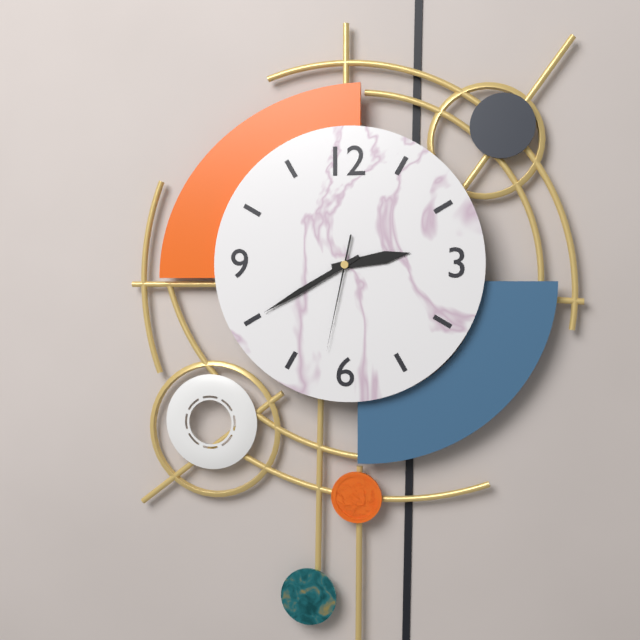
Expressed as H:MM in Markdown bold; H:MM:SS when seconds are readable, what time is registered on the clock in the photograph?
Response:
**2:40:32**
